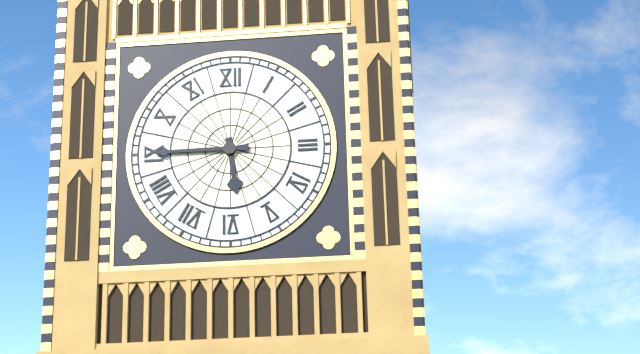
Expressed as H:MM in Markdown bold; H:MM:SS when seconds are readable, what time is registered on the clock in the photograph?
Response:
**5:45**
